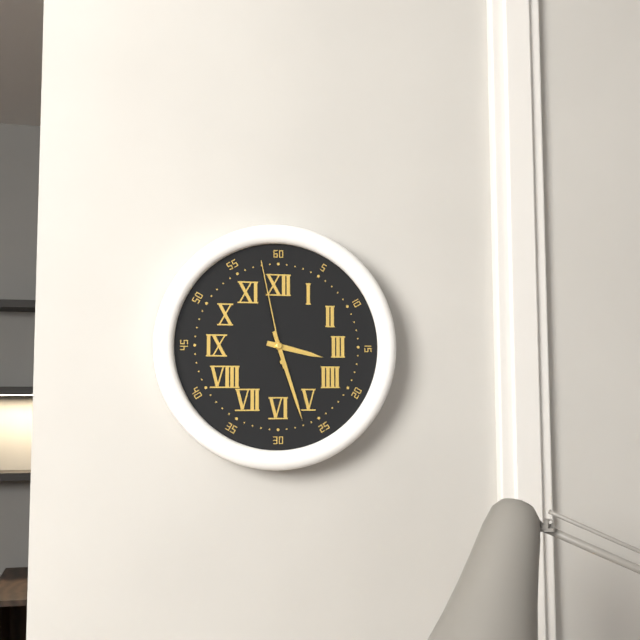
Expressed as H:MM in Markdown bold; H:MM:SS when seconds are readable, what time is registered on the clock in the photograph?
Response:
**3:27:58**
